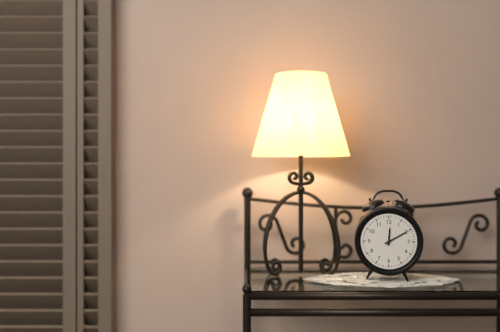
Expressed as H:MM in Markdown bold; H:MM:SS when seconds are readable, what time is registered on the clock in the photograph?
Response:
**12:10**
